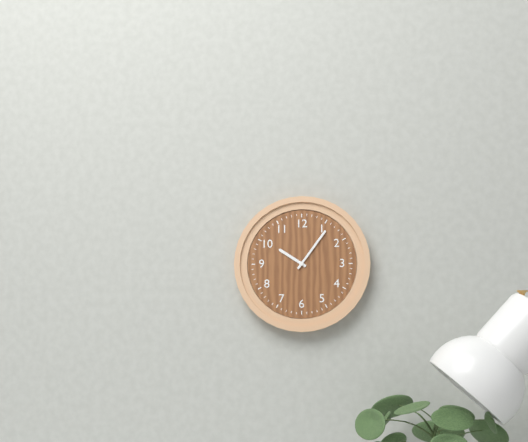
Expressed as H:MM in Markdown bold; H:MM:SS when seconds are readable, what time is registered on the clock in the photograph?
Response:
**10:06**
